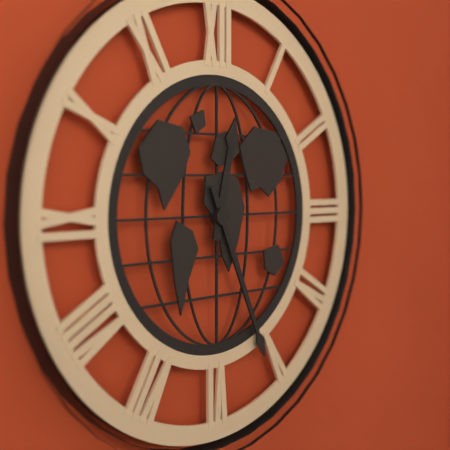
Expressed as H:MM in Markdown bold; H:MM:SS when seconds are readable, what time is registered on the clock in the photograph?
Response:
**12:26**
